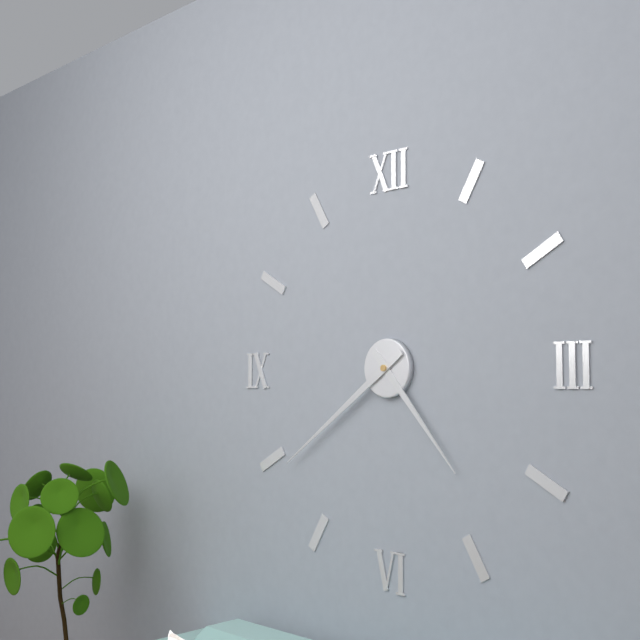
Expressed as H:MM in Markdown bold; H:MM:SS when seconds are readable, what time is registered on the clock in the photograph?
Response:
**4:39**
